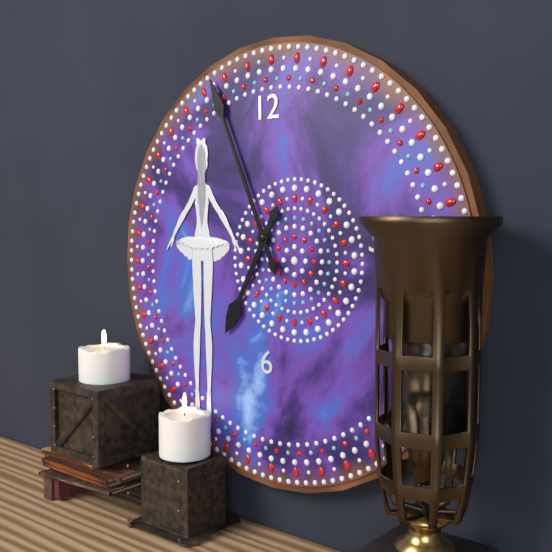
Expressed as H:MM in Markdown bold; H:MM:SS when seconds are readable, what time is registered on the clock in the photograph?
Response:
**6:56**
